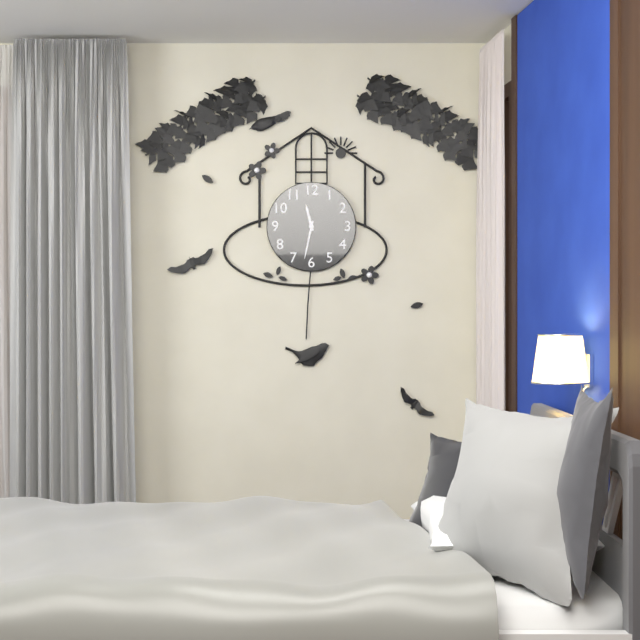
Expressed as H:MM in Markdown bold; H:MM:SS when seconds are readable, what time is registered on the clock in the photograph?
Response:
**11:32**
